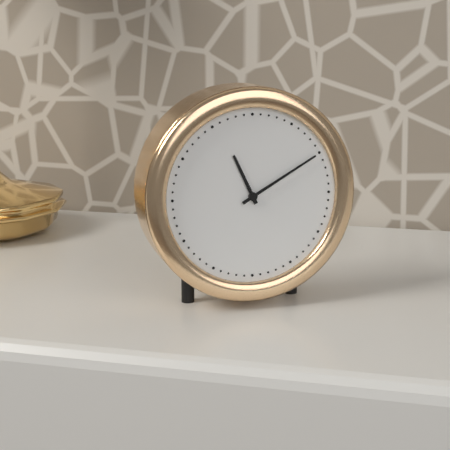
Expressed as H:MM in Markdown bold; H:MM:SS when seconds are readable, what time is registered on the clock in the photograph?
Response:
**11:10**
